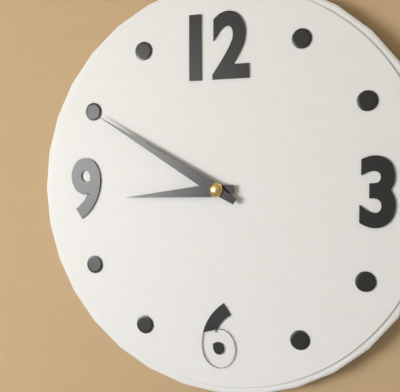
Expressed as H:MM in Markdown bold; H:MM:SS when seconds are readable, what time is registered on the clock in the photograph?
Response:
**8:50**
